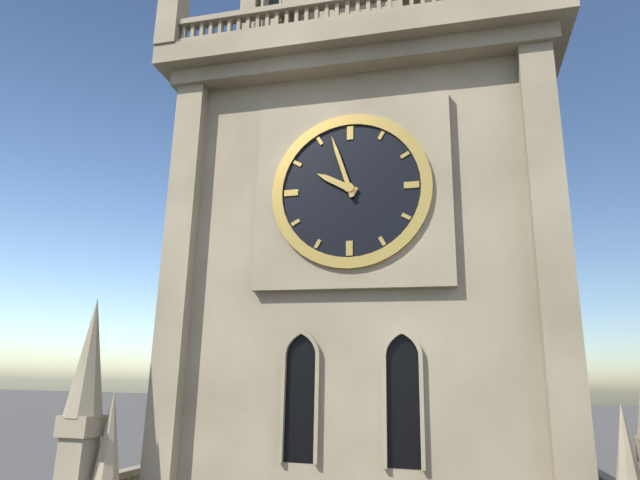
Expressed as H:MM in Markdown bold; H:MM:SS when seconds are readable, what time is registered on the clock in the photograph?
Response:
**9:57**
